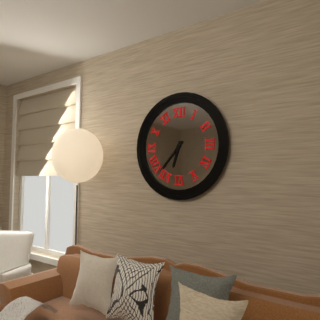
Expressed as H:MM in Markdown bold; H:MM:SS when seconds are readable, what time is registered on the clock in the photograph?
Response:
**6:37**
